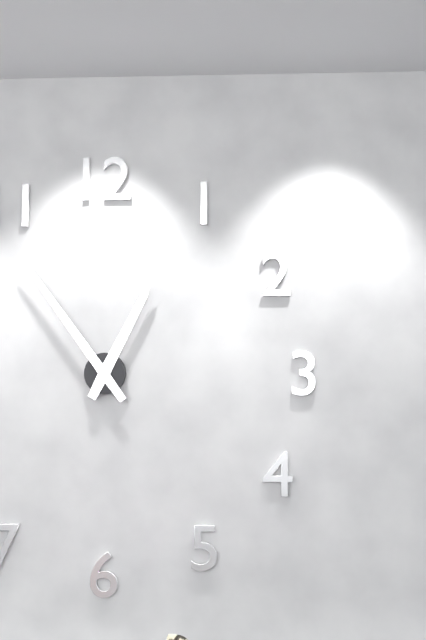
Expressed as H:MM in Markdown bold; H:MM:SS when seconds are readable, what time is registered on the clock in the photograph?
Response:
**12:54**
